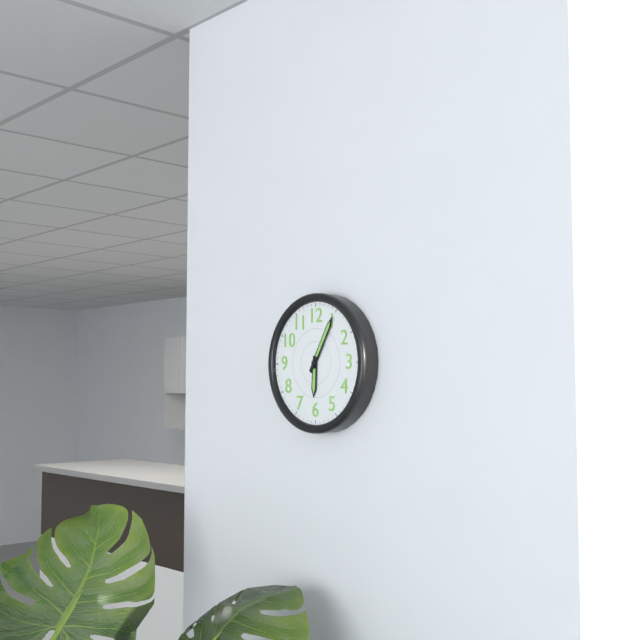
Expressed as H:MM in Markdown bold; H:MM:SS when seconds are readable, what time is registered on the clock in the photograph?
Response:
**6:05**
